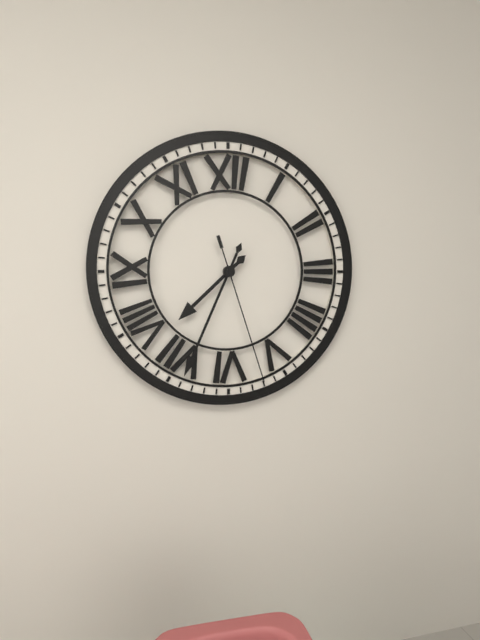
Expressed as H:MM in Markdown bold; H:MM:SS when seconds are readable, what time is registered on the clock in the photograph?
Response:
**7:34:27**
